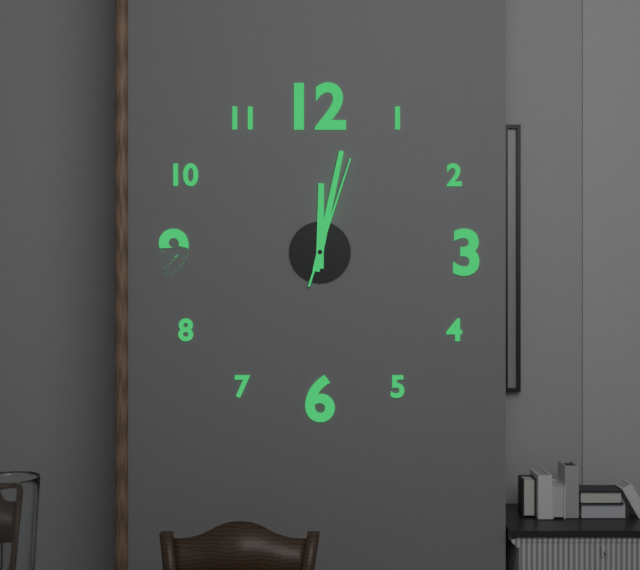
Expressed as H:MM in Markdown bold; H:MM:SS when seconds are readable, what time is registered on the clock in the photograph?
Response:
**12:02:03**
